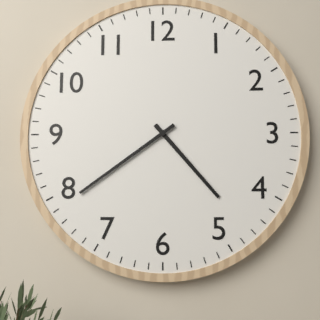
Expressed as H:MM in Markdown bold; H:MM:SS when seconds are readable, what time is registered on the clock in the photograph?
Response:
**4:39**
